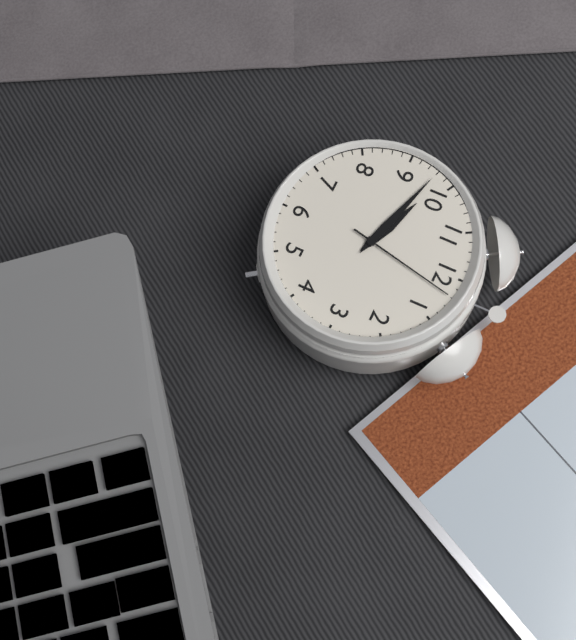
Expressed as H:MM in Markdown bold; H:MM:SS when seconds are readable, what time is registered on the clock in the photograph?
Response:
**9:48:02**
